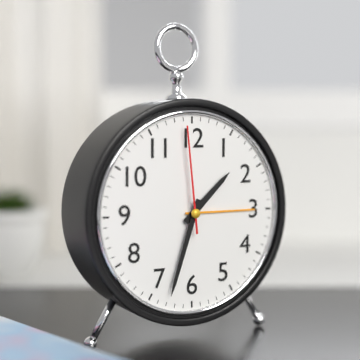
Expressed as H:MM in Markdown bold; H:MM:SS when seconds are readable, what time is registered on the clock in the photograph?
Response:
**1:33:59**
